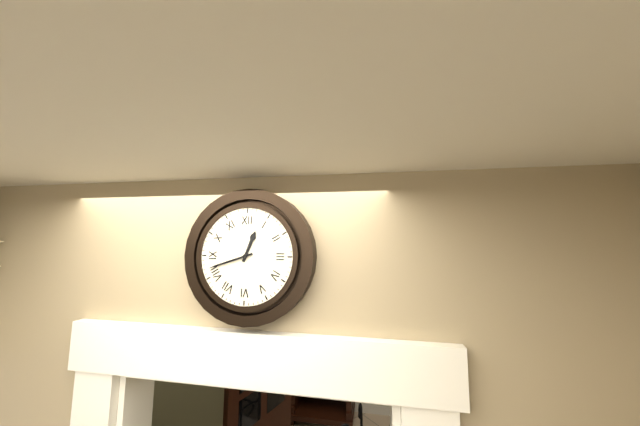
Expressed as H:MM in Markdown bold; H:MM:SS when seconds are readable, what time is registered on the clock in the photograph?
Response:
**12:42**
